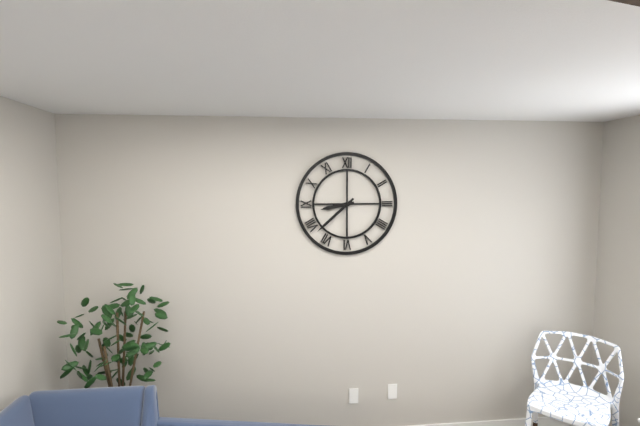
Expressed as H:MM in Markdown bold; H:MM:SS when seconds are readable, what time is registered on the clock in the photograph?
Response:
**8:38**
